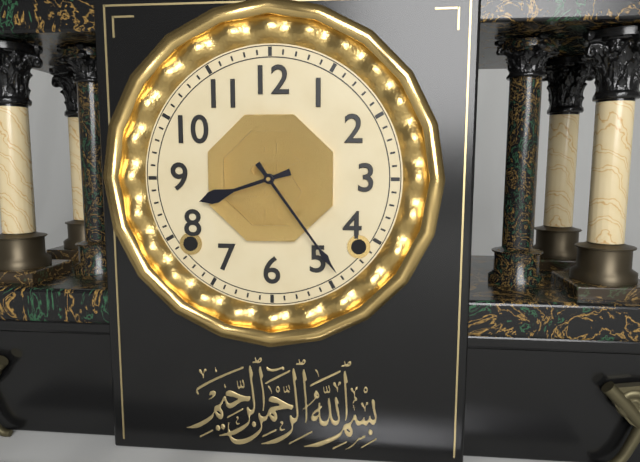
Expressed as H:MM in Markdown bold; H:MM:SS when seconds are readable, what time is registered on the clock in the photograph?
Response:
**8:24**
